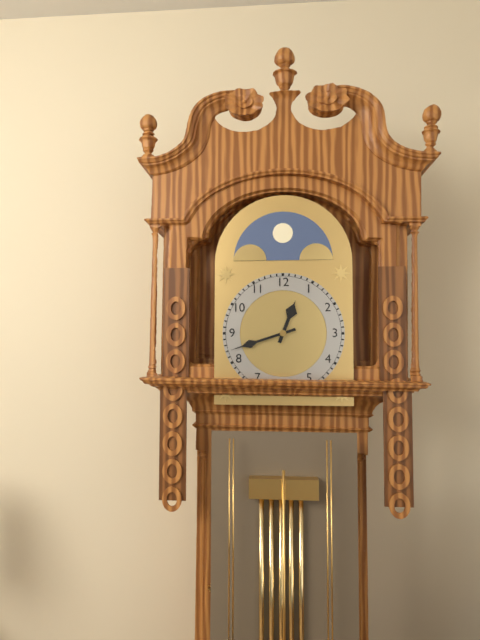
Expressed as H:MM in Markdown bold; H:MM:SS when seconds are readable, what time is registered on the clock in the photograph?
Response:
**12:42**
